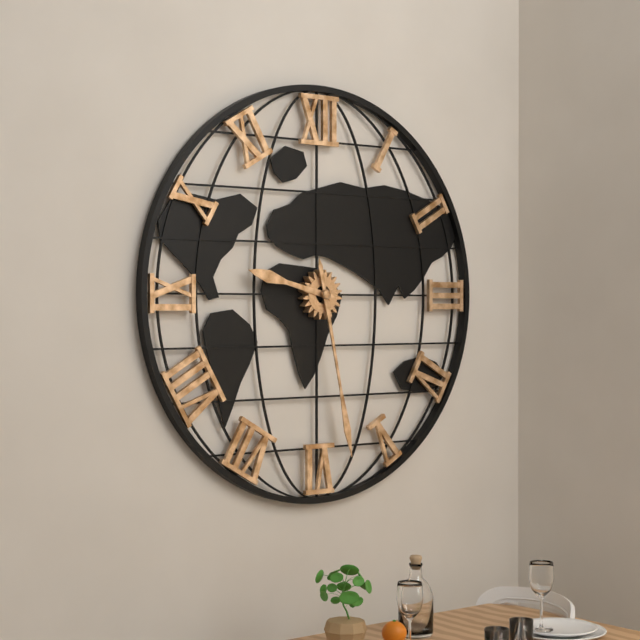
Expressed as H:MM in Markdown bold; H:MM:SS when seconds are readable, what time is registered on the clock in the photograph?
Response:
**9:28**
